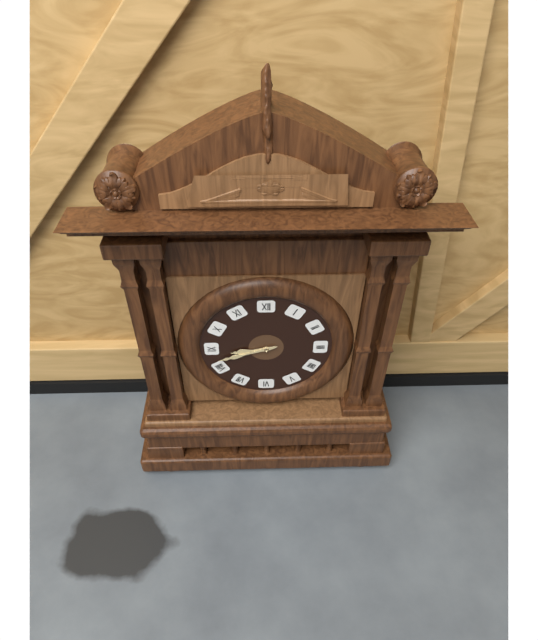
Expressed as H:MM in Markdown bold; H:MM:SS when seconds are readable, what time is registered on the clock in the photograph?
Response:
**8:42**
